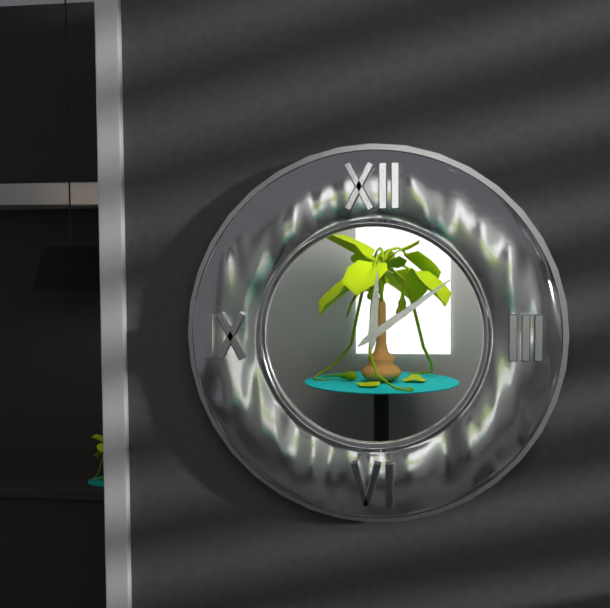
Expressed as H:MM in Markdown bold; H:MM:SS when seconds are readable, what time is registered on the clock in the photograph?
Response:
**12:09**
